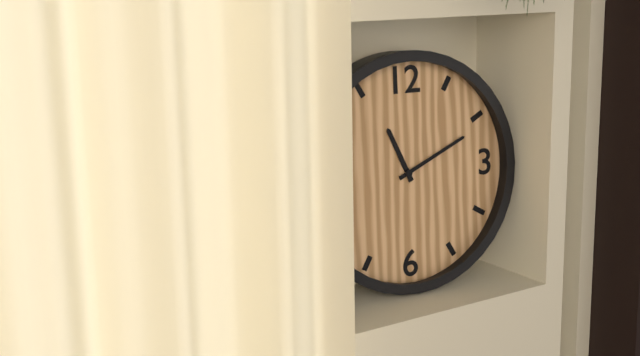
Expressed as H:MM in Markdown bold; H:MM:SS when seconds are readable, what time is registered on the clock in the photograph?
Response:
**11:11**
